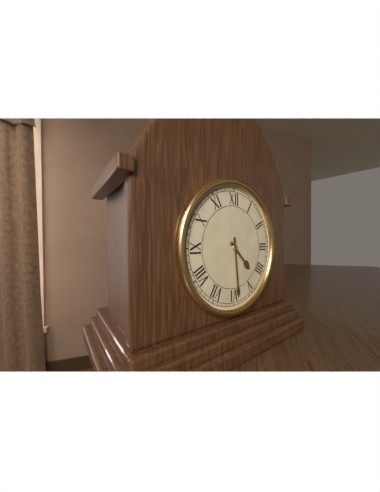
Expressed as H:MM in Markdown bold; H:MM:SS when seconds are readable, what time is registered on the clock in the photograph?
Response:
**4:29**
